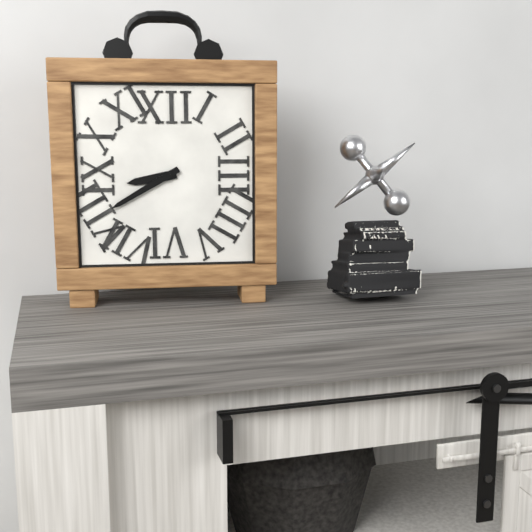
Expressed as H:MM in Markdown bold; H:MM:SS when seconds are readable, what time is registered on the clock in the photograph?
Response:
**8:40**
